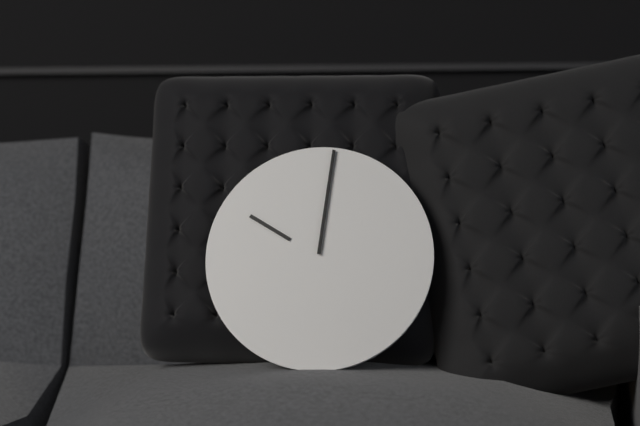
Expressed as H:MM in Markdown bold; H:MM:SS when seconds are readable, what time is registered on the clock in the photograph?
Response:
**10:01**
